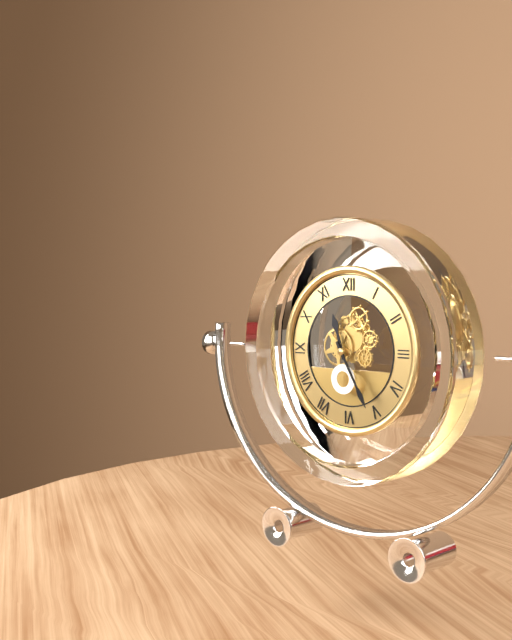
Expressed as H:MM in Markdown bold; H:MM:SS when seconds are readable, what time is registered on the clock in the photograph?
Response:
**11:25**
